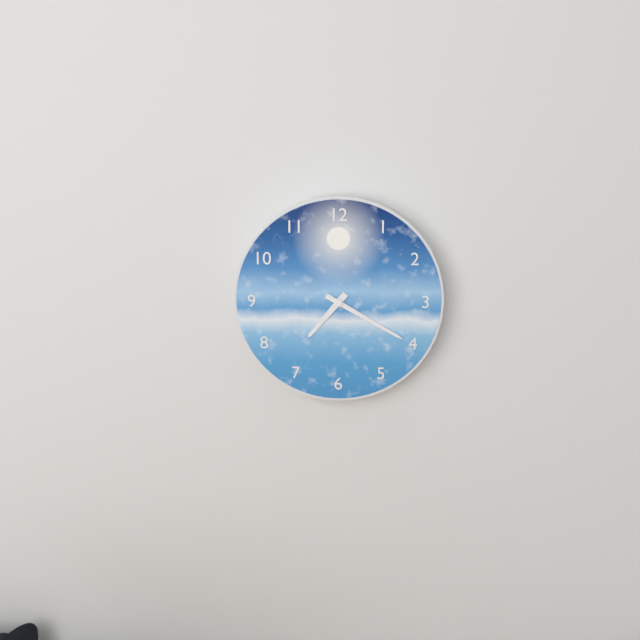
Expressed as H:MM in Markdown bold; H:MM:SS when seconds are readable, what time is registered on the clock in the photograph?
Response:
**7:20**
